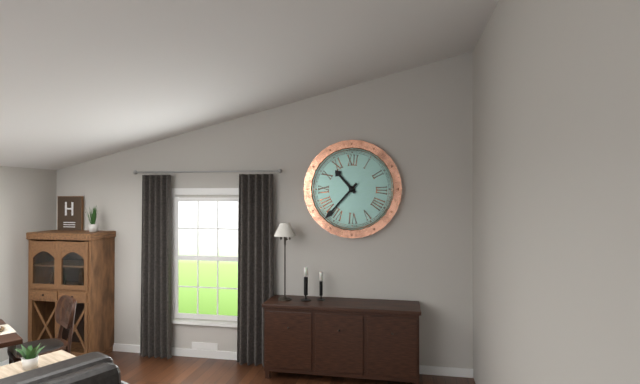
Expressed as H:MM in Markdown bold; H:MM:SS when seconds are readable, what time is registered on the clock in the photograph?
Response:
**10:37**
